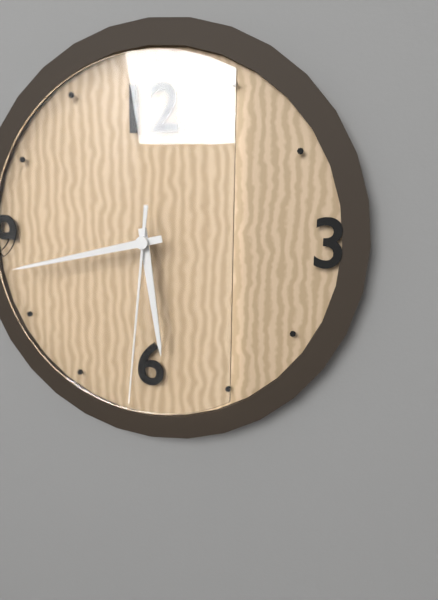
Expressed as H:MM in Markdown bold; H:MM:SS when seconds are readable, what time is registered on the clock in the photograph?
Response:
**5:43:31**
